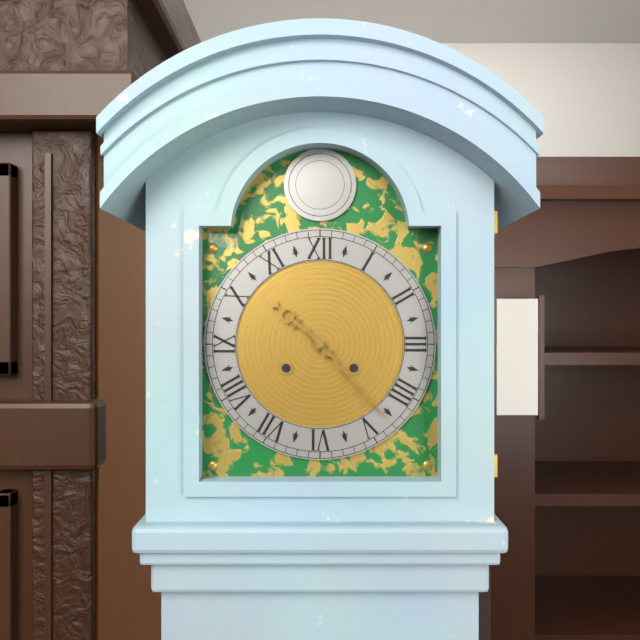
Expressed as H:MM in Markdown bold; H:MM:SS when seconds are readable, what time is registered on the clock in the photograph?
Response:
**10:23**
